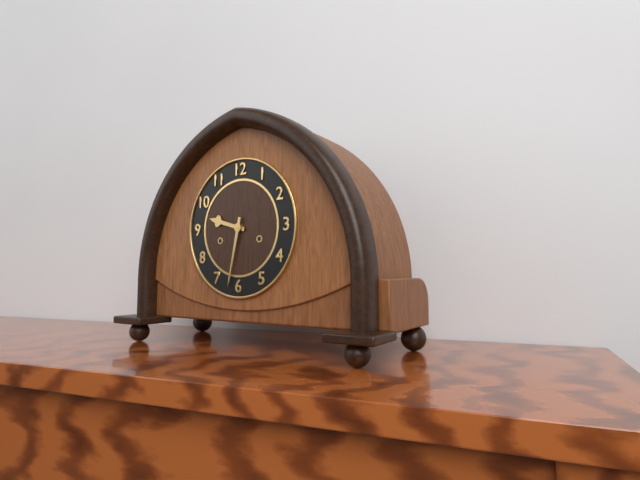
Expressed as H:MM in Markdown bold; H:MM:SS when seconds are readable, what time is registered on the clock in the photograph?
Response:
**9:32**
